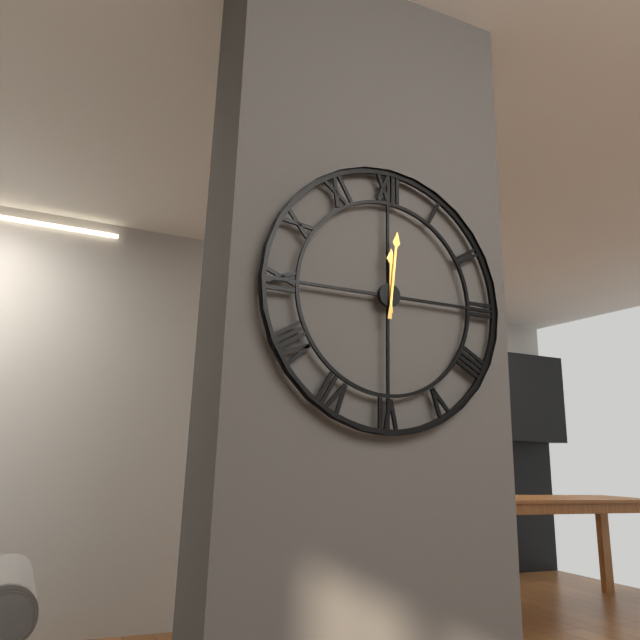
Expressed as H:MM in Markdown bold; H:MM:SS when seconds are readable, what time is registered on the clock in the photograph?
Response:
**12:01**
